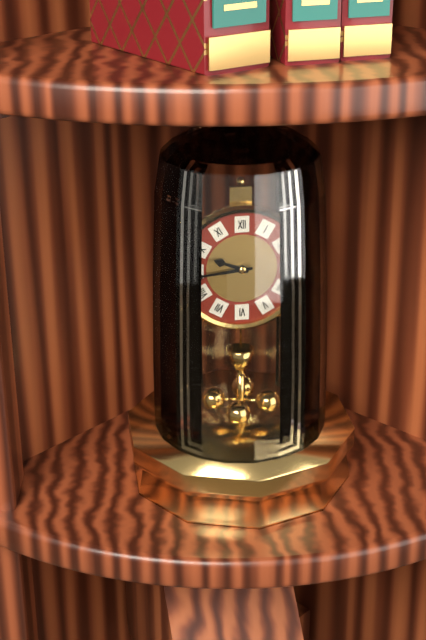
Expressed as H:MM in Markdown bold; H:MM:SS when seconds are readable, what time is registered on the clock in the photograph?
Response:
**9:44**
